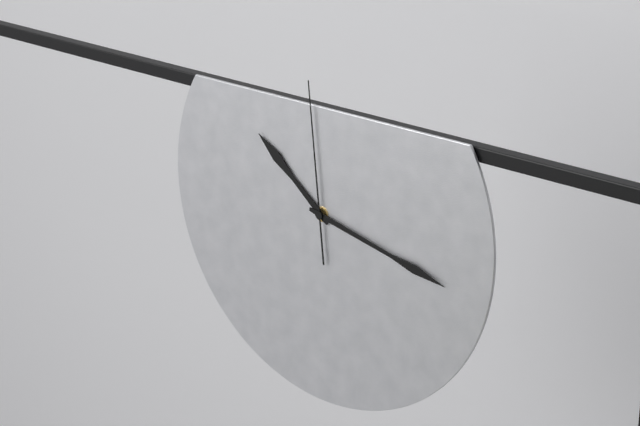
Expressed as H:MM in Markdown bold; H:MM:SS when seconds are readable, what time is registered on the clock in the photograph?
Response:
**10:17:59**
